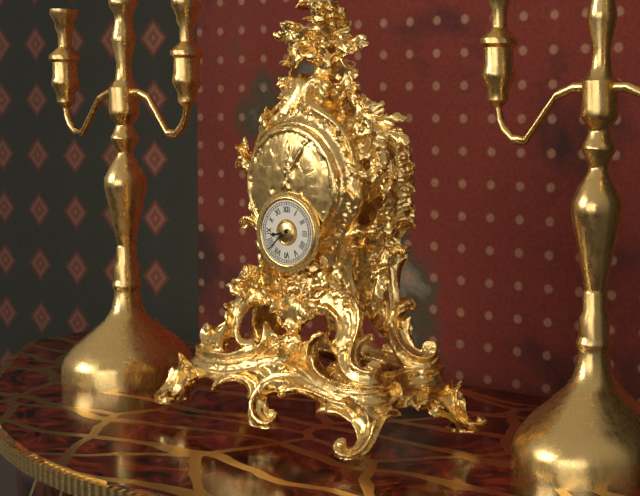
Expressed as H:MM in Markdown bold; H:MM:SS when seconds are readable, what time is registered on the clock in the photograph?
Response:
**8:38**
